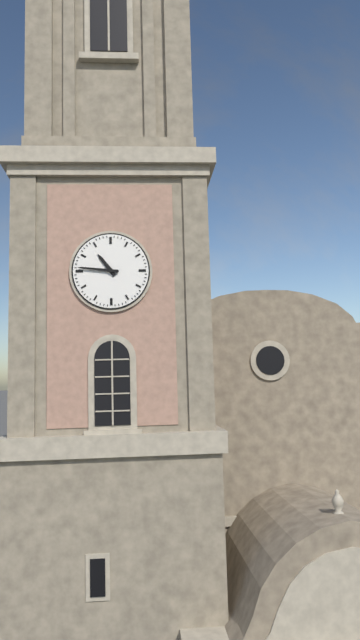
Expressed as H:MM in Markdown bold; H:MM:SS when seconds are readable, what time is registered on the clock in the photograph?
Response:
**10:46**
